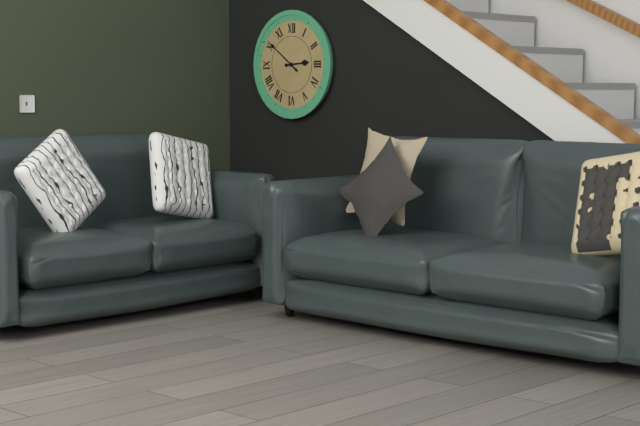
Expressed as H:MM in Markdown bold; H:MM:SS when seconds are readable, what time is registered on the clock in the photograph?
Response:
**2:51**
